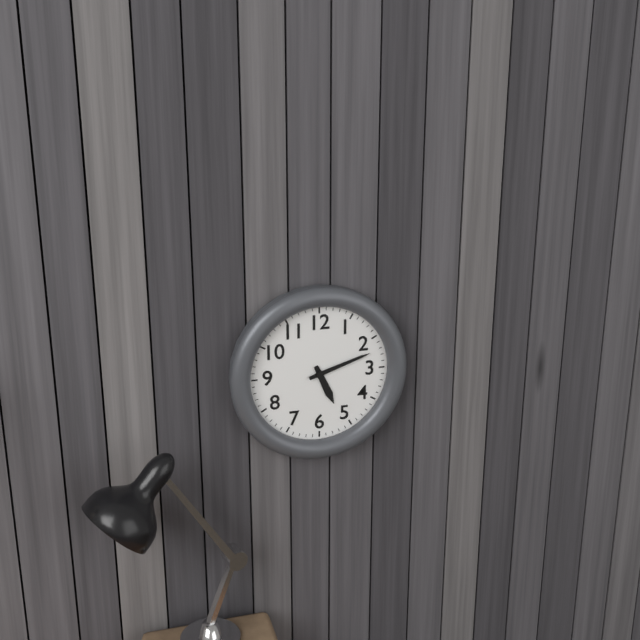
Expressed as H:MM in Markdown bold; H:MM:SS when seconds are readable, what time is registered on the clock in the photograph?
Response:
**5:12**
